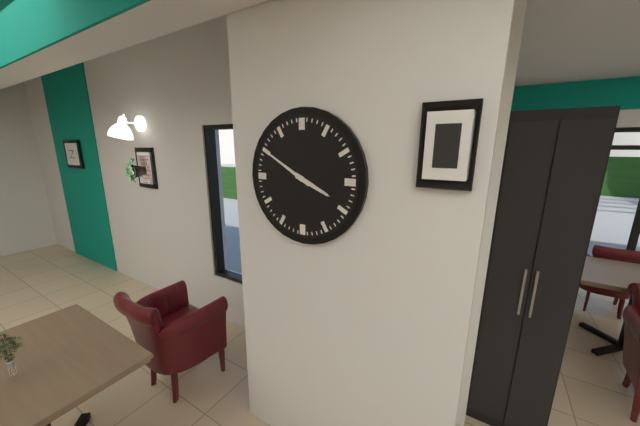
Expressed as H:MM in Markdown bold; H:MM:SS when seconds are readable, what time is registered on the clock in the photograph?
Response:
**3:50**
